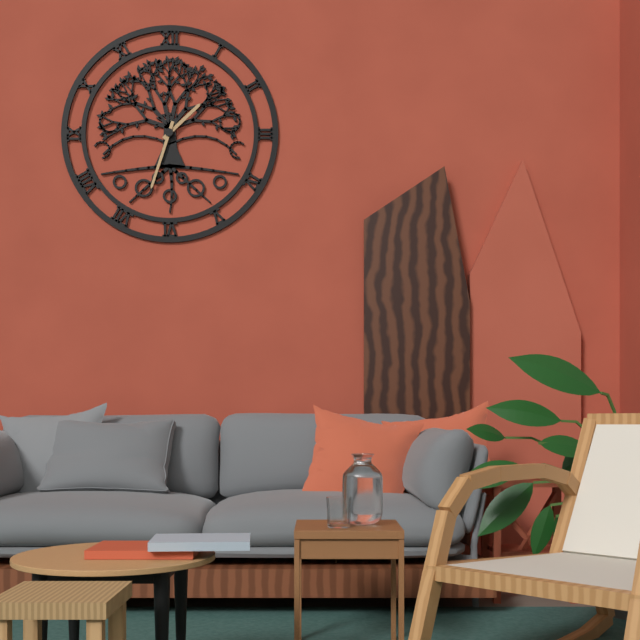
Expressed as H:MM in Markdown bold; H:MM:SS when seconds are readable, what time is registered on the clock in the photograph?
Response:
**1:33**
